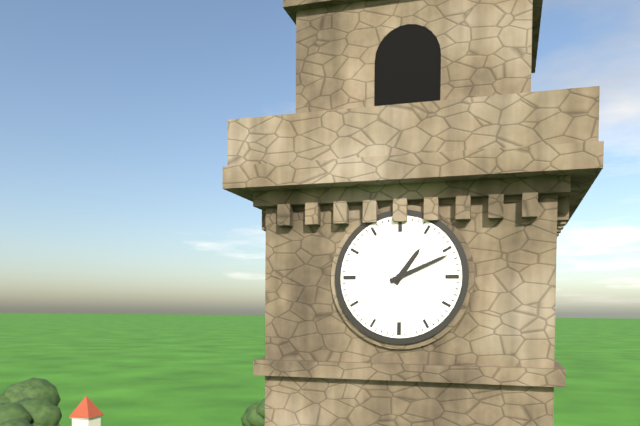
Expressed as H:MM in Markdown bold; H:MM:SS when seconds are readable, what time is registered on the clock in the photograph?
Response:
**1:11**
